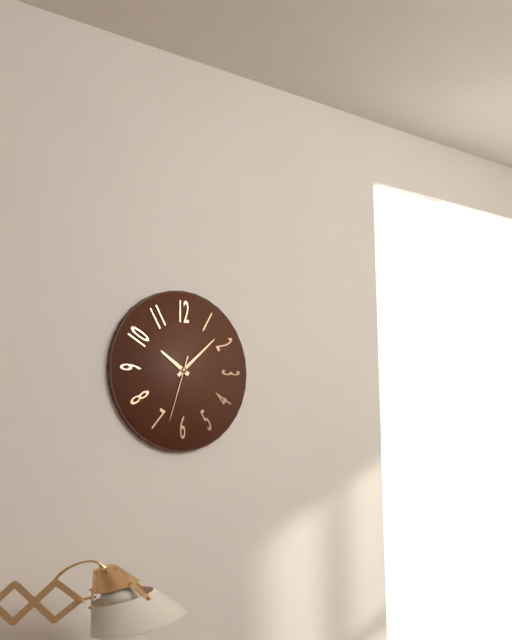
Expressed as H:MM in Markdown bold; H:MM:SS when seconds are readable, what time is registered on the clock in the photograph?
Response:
**10:08:33**
